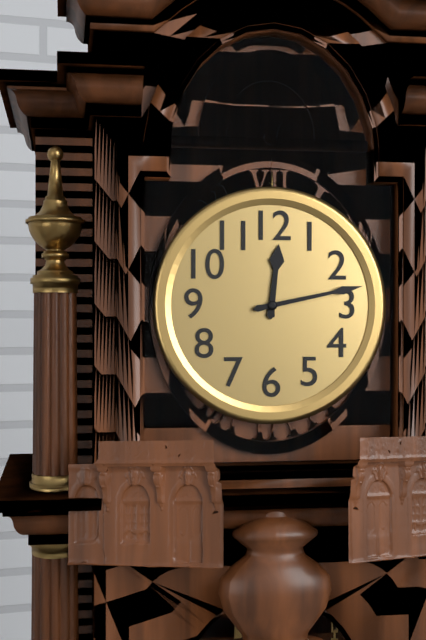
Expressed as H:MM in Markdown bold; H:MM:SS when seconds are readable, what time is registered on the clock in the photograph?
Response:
**12:13**
